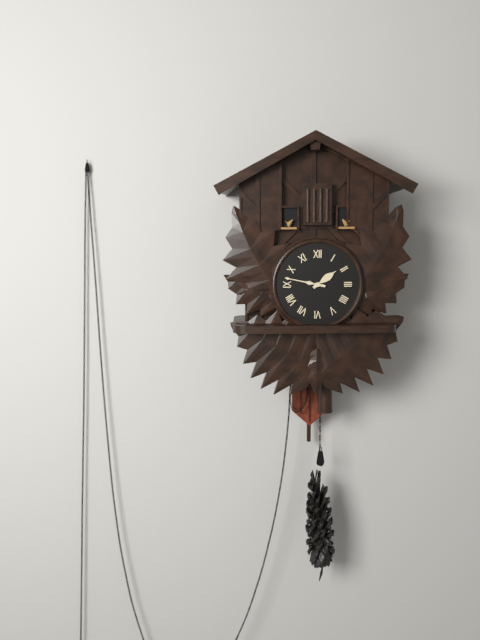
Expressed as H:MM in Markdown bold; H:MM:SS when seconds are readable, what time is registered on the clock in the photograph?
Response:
**1:47**
